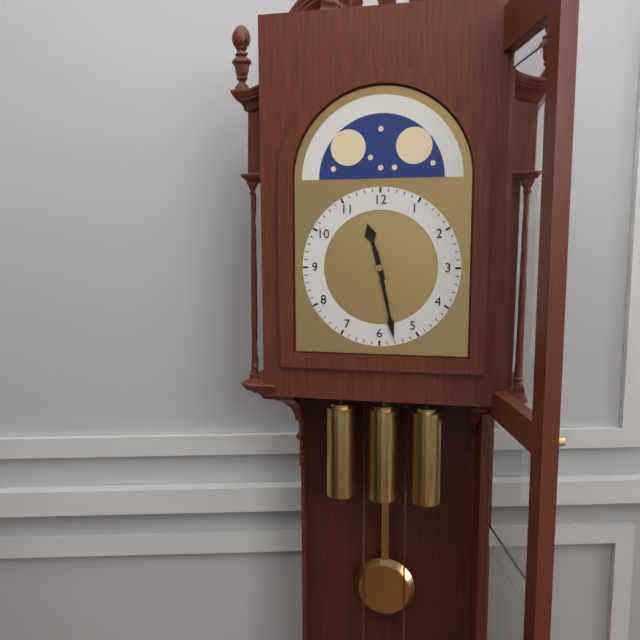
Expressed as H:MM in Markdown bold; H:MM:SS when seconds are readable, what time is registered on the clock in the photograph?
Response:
**11:28**
